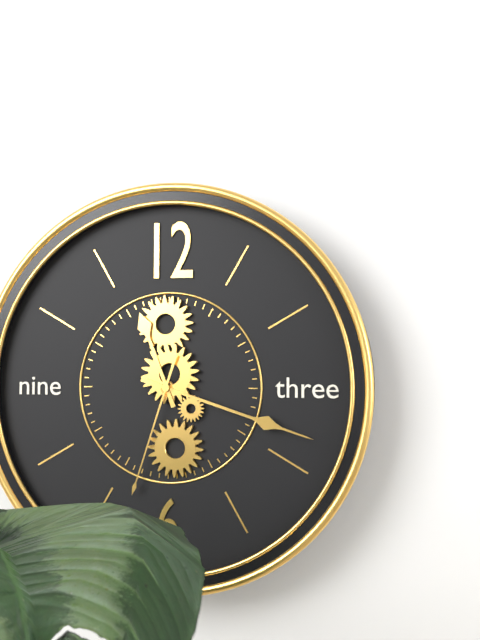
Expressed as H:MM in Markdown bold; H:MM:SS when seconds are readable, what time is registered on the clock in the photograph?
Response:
**11:18:33**
